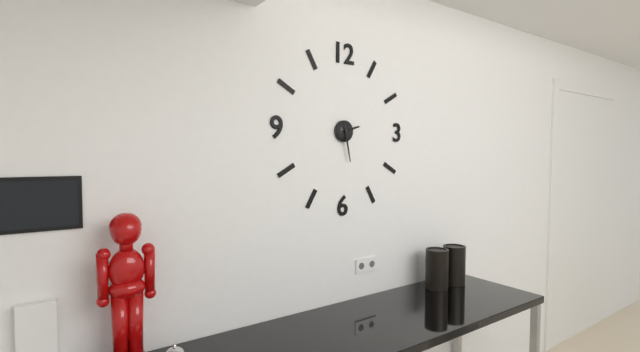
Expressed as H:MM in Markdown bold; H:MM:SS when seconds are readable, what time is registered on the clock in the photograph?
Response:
**2:28**
